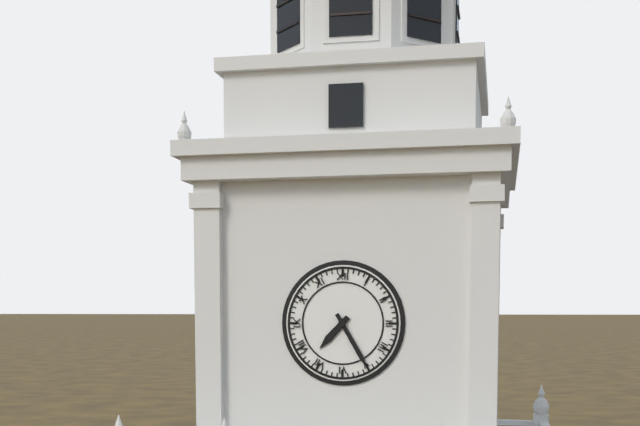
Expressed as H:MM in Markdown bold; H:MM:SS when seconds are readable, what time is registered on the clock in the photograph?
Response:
**7:25**
